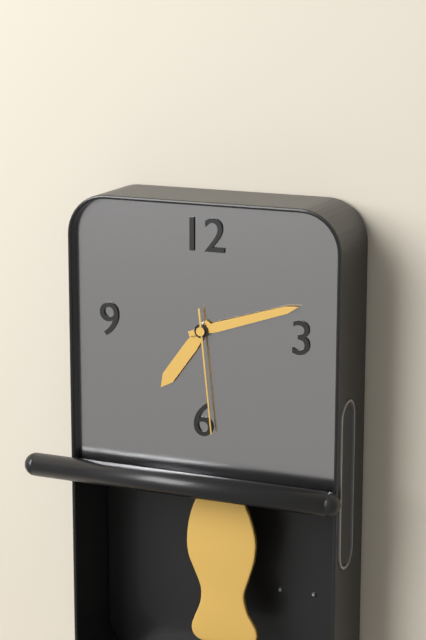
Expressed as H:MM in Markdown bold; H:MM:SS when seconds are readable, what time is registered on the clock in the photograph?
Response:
**7:12:29**
